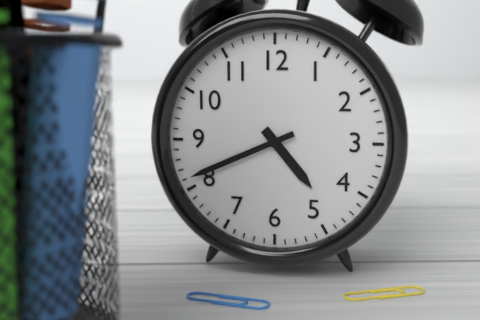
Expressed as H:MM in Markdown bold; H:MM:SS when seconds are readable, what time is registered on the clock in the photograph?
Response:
**4:41**
